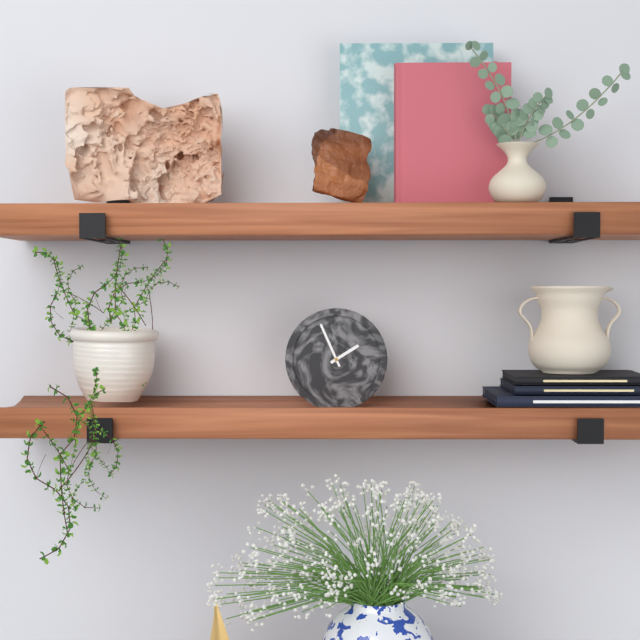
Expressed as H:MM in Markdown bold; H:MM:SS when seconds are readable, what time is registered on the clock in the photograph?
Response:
**1:56**
